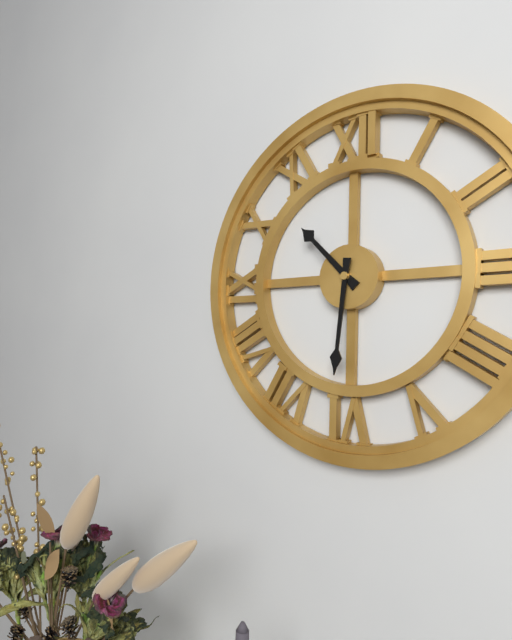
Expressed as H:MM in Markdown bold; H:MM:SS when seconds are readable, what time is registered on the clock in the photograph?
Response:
**10:31**
